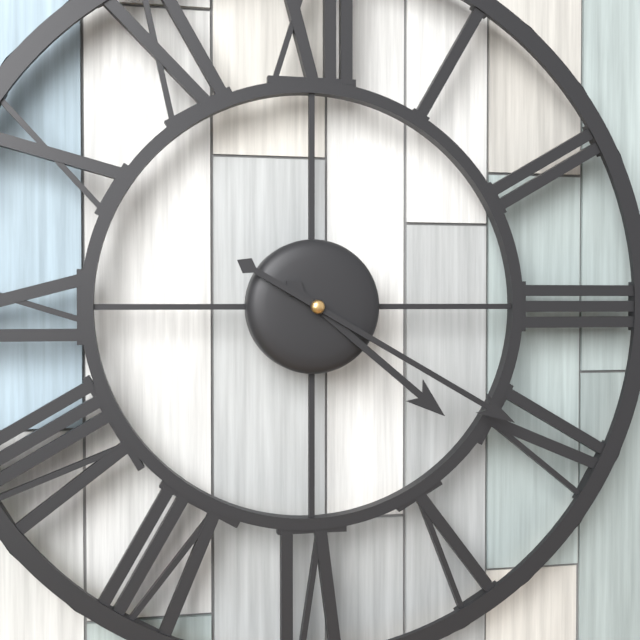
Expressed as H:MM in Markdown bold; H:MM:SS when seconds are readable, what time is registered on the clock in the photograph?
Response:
**4:20**
